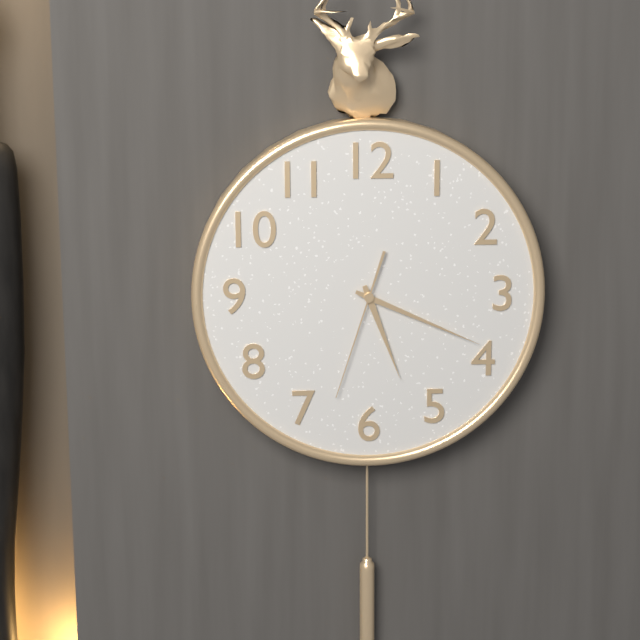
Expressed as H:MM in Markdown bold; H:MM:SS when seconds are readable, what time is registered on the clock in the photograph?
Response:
**5:19:33**
